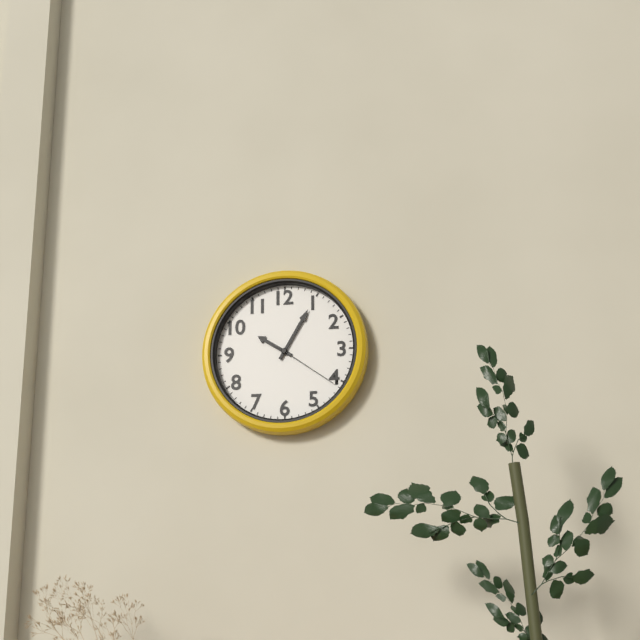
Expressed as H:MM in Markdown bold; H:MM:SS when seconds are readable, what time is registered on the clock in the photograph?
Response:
**10:05:21**
